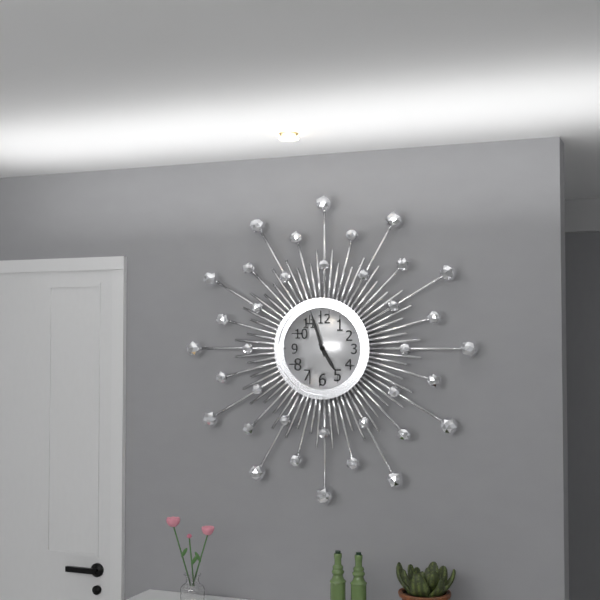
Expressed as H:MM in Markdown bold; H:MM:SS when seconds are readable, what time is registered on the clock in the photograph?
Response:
**4:57**
